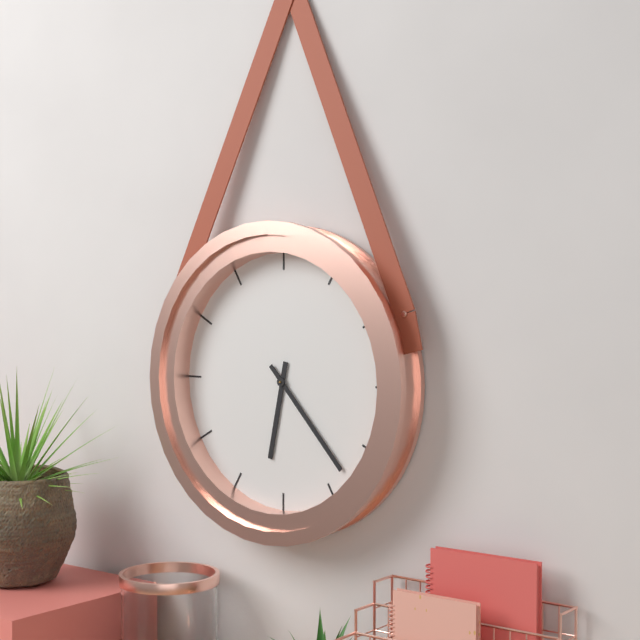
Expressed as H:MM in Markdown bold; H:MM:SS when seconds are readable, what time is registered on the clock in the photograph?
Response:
**6:23**
